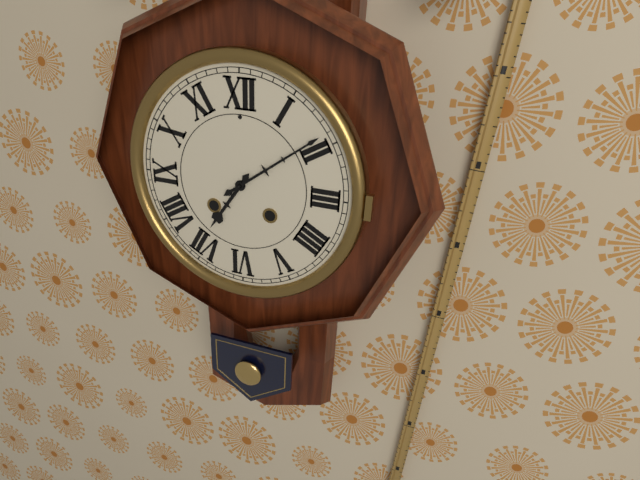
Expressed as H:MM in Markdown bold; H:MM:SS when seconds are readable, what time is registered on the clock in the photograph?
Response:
**7:09**
